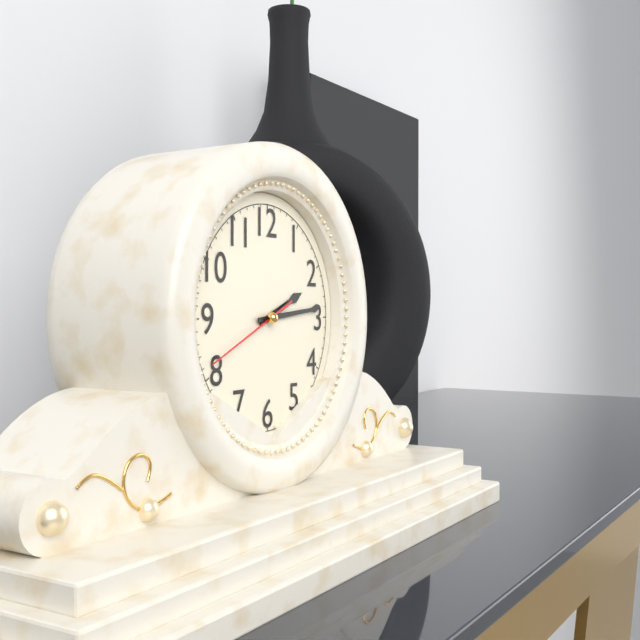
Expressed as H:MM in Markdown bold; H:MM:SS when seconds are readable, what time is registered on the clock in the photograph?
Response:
**2:14:41**
